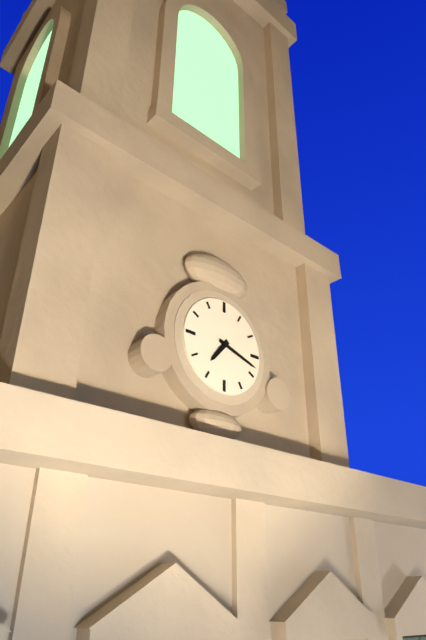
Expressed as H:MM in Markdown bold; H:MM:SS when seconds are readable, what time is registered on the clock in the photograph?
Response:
**7:18**
